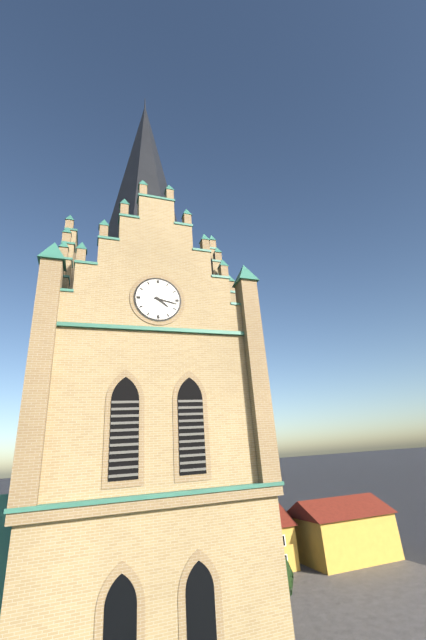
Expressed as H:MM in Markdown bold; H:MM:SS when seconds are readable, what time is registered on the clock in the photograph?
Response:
**4:17**
